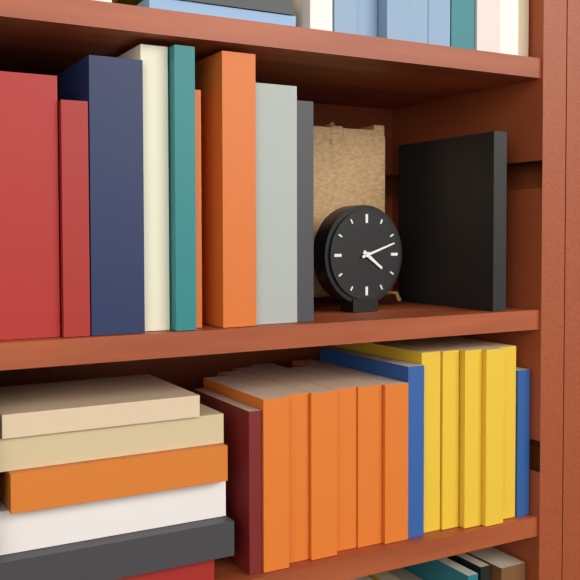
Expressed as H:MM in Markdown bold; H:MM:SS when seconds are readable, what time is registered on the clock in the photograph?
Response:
**4:12**
